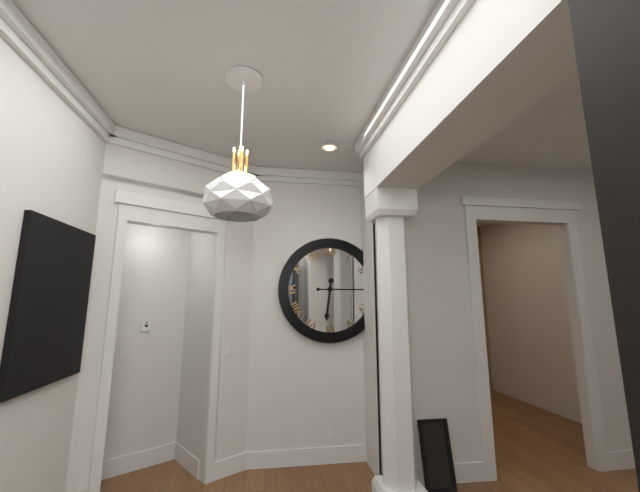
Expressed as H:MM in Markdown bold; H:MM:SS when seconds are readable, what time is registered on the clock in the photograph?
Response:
**6:15**
